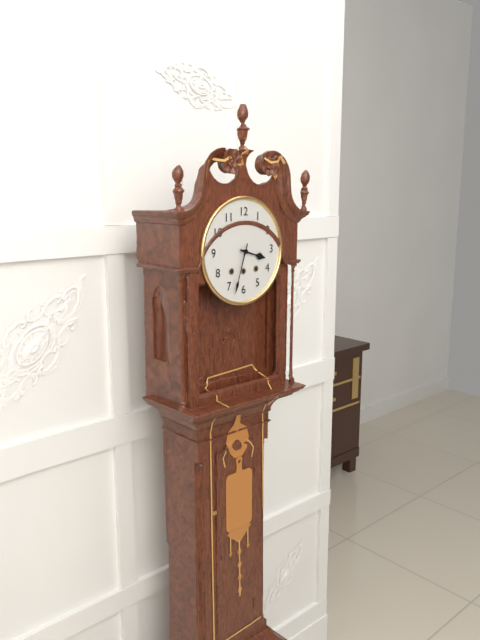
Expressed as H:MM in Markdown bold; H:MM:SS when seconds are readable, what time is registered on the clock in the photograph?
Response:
**3:33**
